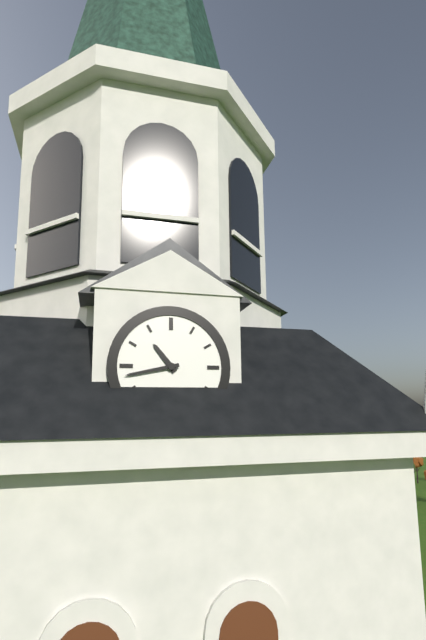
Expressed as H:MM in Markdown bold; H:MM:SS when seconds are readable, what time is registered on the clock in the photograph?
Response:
**10:43**
